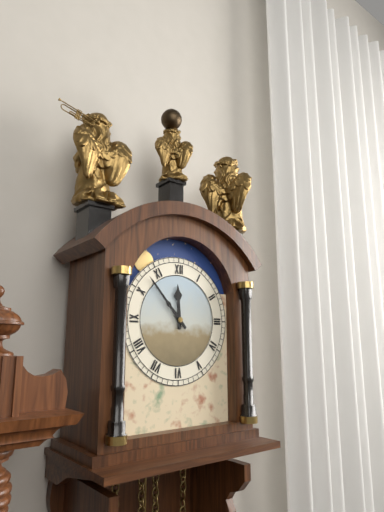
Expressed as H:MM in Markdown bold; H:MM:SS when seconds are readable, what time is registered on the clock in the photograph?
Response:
**11:53**
